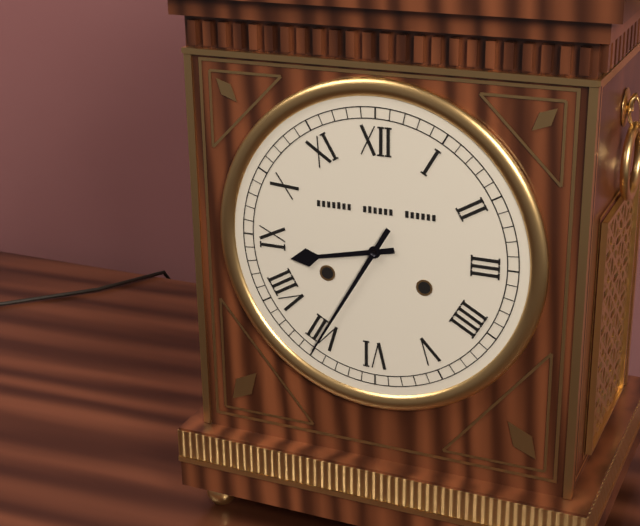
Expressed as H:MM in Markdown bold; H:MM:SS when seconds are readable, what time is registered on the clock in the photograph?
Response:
**8:35**
